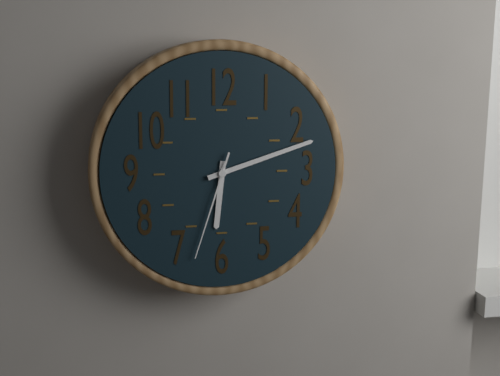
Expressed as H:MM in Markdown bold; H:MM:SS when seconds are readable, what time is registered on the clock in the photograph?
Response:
**6:12:33**
